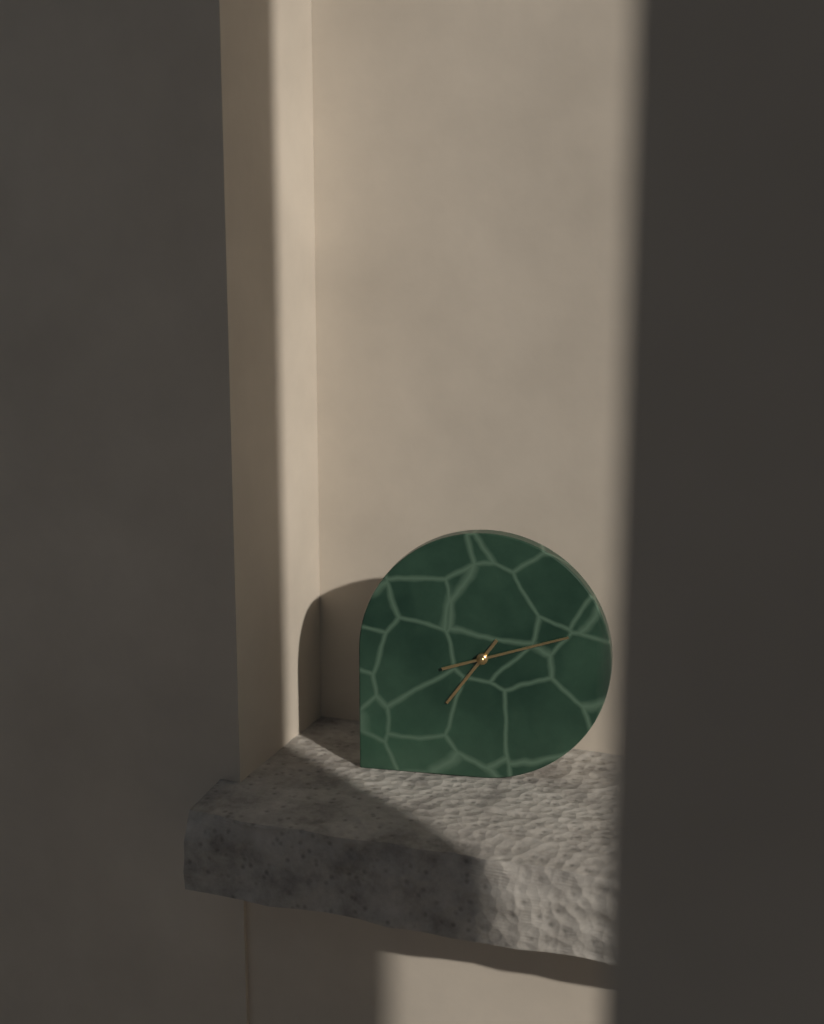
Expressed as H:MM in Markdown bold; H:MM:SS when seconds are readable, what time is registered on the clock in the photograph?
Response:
**7:12**
